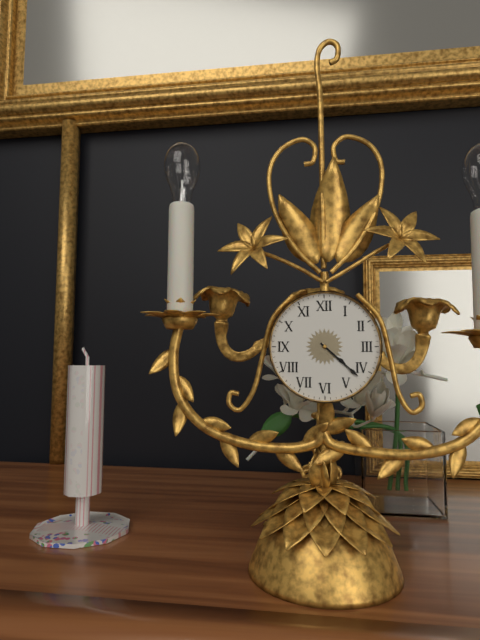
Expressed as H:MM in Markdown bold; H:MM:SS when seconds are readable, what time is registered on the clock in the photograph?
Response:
**4:22**
